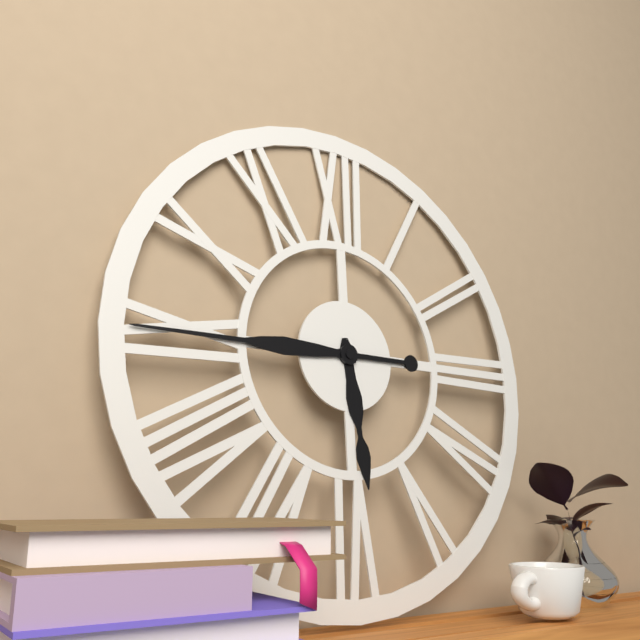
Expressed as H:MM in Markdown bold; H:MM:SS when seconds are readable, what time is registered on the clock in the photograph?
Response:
**5:45**
